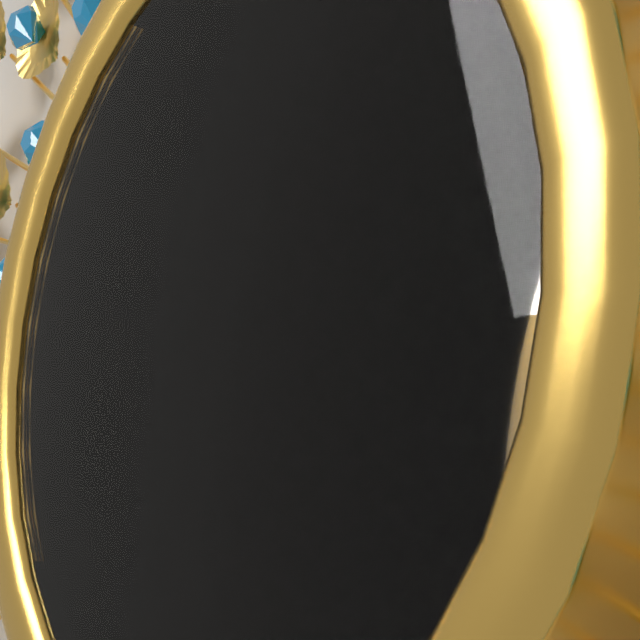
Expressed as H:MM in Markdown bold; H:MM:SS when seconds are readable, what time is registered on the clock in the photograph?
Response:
**9:18**
